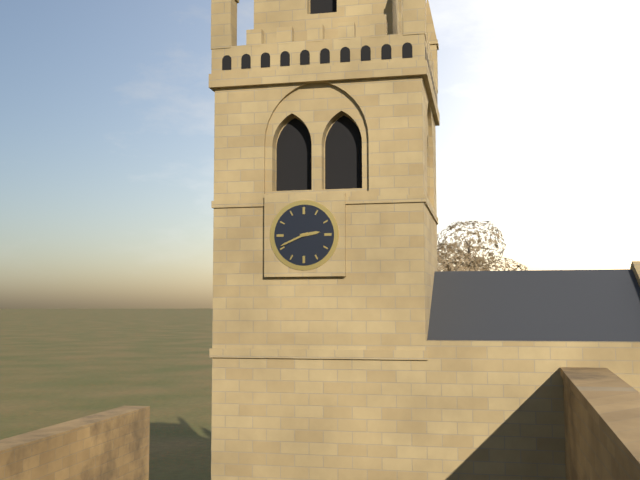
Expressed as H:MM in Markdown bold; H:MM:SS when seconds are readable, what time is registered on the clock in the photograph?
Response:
**2:41**
